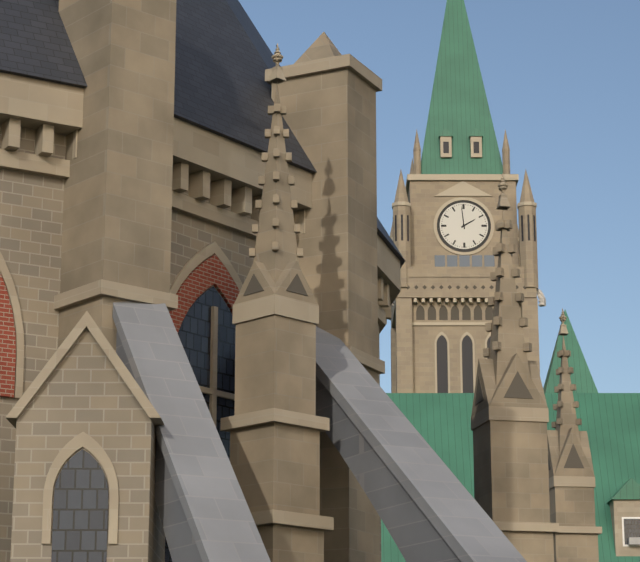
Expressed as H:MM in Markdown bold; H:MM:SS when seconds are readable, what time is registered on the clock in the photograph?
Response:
**1:59**
